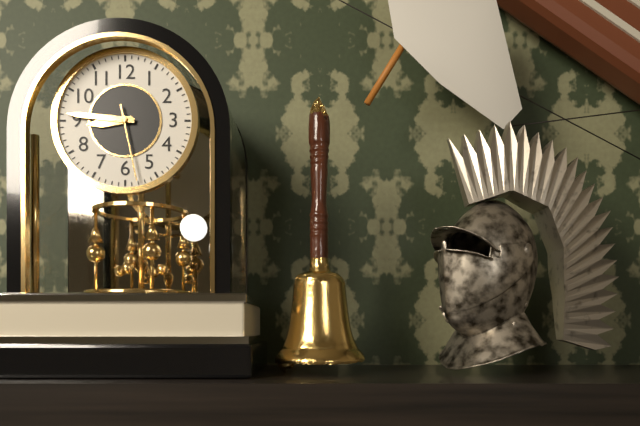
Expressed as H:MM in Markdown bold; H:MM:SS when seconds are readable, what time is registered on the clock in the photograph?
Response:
**8:46:28**
